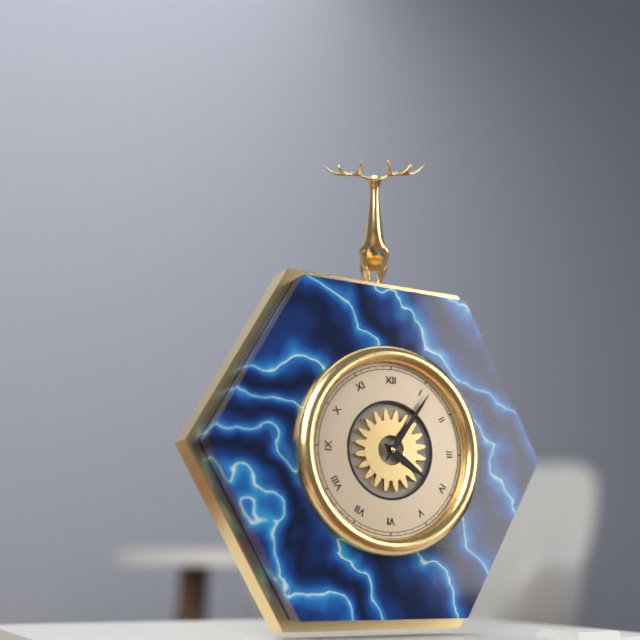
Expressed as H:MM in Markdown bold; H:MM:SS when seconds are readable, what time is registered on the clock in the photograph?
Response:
**4:06**
